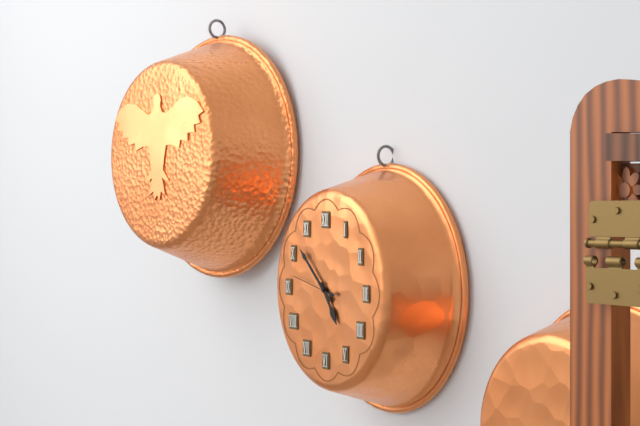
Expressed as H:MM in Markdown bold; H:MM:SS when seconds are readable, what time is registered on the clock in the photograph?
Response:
**4:52**
